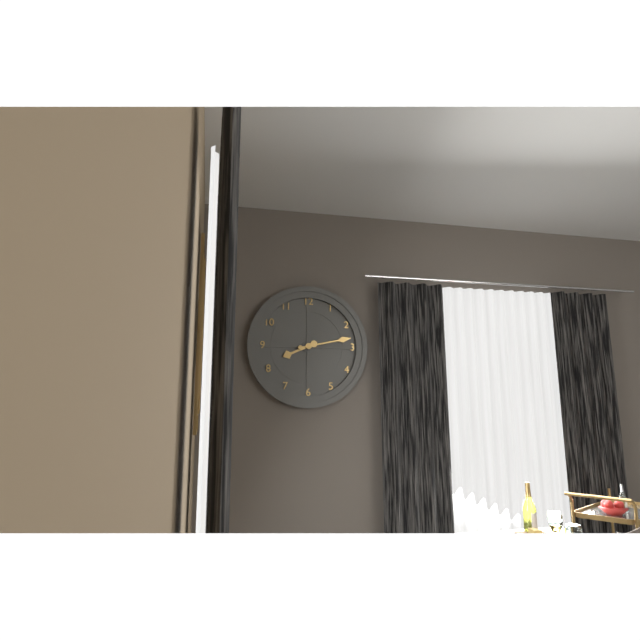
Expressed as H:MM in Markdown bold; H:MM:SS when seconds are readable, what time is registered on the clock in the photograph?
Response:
**8:13**
